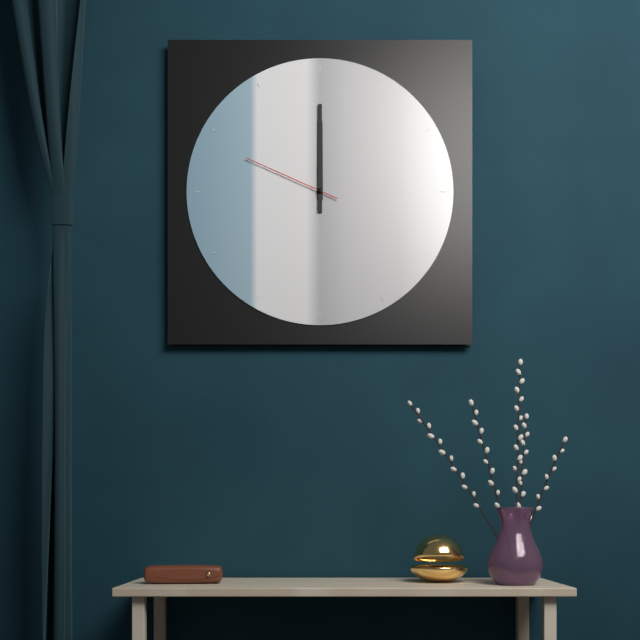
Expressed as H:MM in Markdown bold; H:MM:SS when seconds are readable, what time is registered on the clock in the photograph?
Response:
**12:00:49**
